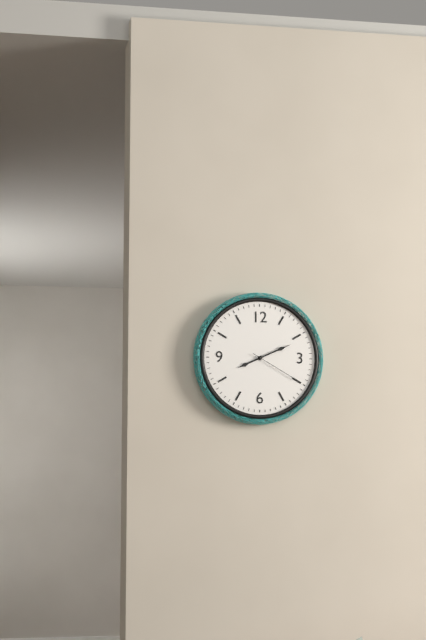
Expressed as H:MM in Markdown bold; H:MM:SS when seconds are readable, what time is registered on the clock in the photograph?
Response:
**8:11:20**
